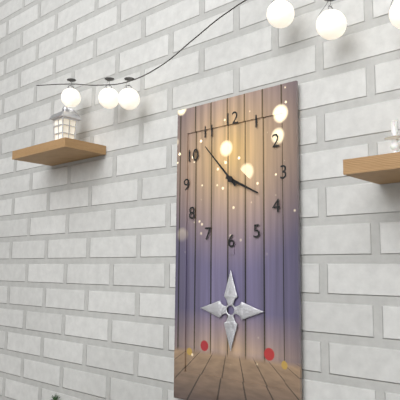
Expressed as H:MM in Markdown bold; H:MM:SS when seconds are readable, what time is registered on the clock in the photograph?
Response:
**3:53**
